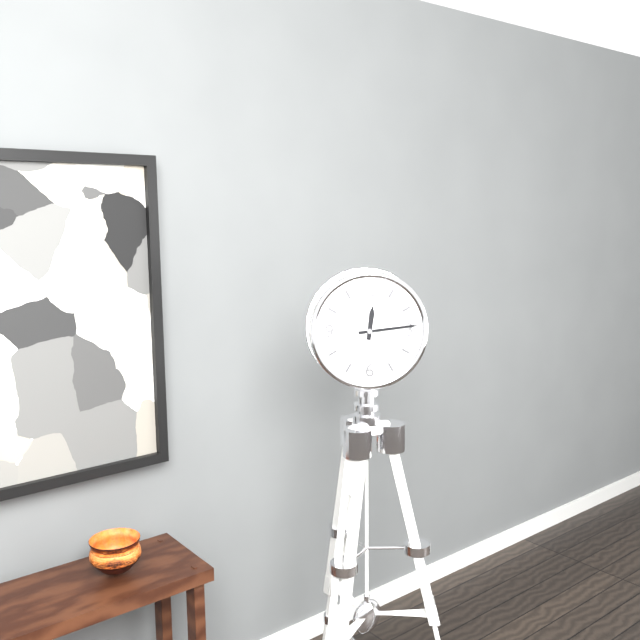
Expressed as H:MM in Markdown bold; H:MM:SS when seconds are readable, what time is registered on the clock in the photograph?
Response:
**12:14**
